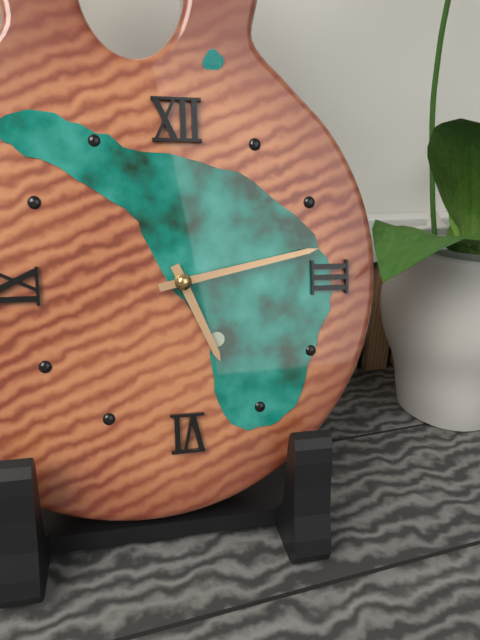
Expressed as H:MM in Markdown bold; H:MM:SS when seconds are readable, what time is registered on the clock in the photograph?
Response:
**5:13**
